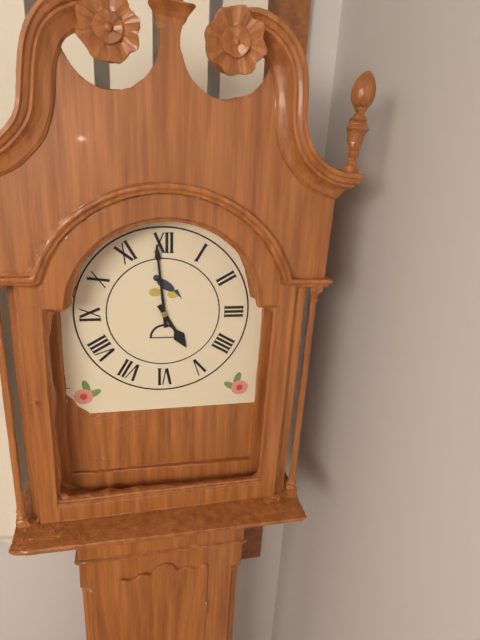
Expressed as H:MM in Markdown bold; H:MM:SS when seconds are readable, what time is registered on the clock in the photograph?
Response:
**4:59**
